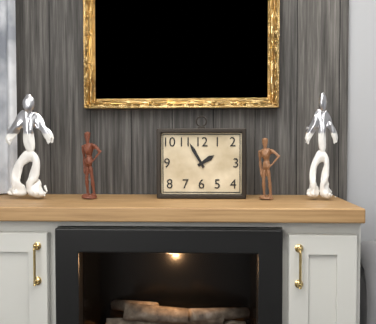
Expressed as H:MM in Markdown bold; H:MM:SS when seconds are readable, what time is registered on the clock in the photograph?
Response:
**1:55**
